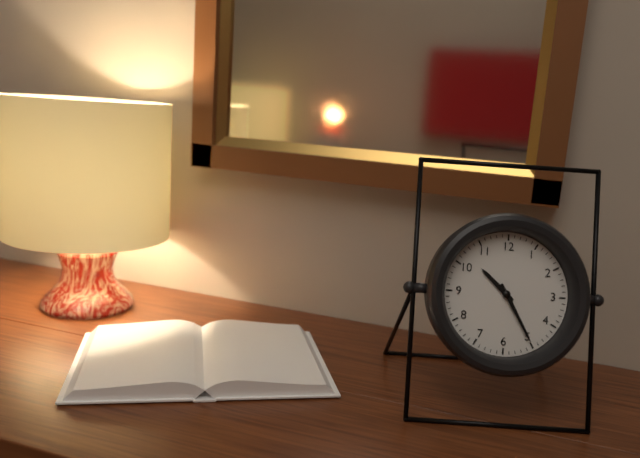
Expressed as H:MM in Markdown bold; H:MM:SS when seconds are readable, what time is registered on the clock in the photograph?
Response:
**10:25**
